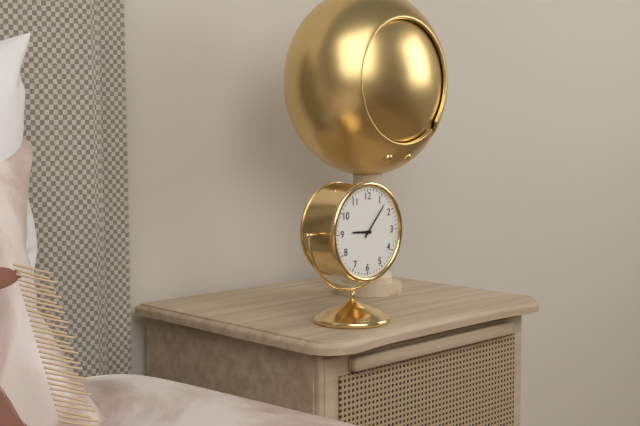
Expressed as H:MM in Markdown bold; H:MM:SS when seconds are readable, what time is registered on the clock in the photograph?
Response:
**9:07**
